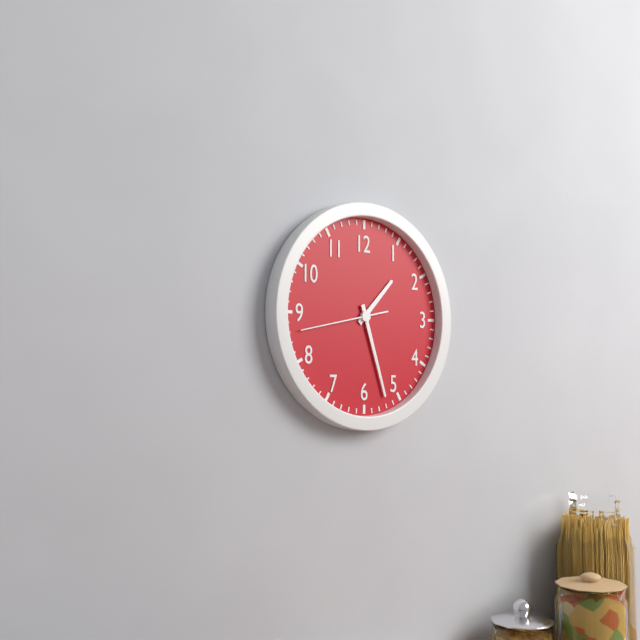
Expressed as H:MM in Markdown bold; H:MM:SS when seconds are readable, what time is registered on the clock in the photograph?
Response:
**1:27:43**
